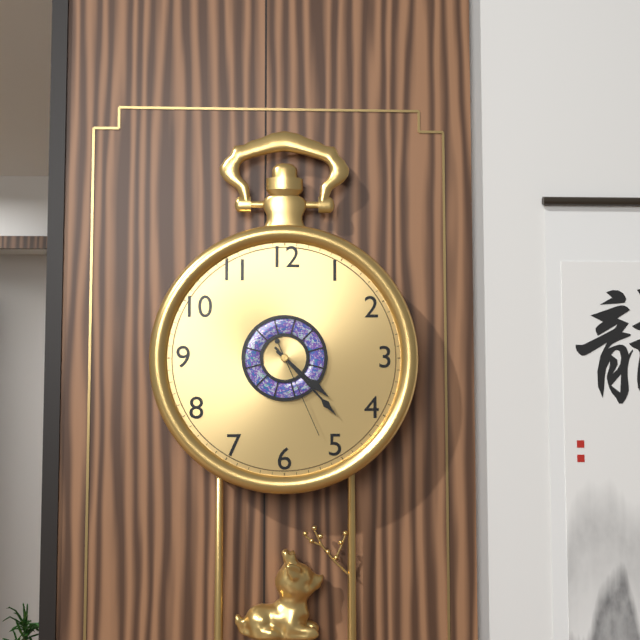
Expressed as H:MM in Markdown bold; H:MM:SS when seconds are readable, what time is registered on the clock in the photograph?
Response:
**4:23:26**
